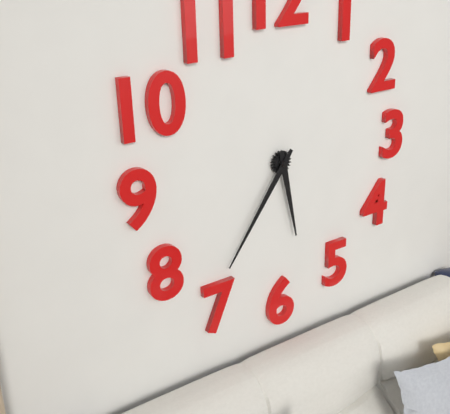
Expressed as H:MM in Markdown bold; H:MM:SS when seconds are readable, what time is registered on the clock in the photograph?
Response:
**5:36**
